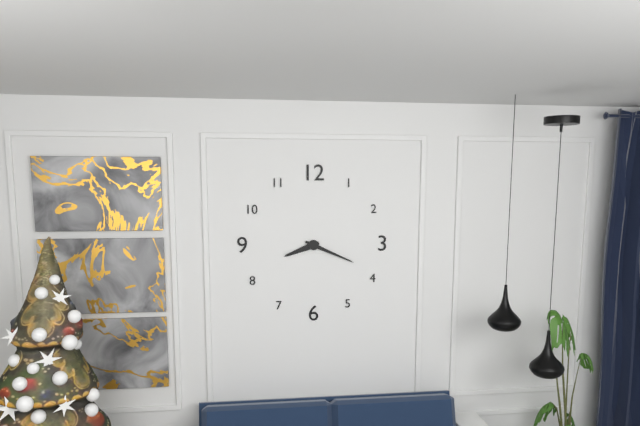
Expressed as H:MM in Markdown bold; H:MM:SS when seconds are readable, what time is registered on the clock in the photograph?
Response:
**8:19**
